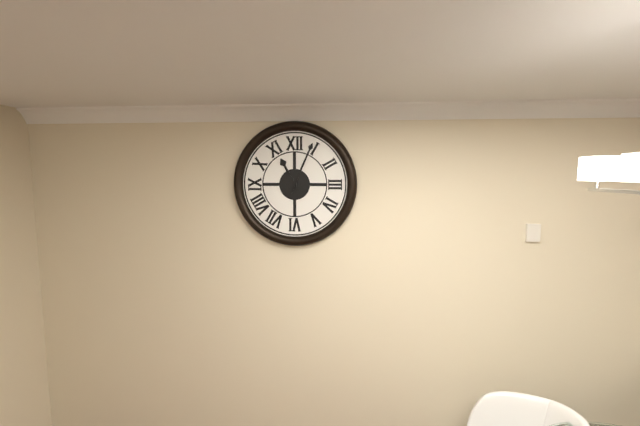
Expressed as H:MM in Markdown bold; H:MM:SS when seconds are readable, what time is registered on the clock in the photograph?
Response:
**11:04**
